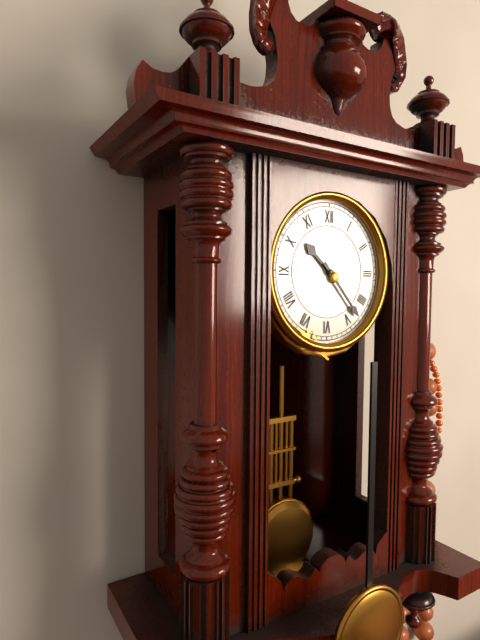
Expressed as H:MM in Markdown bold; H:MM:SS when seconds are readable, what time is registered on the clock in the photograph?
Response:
**10:23**
